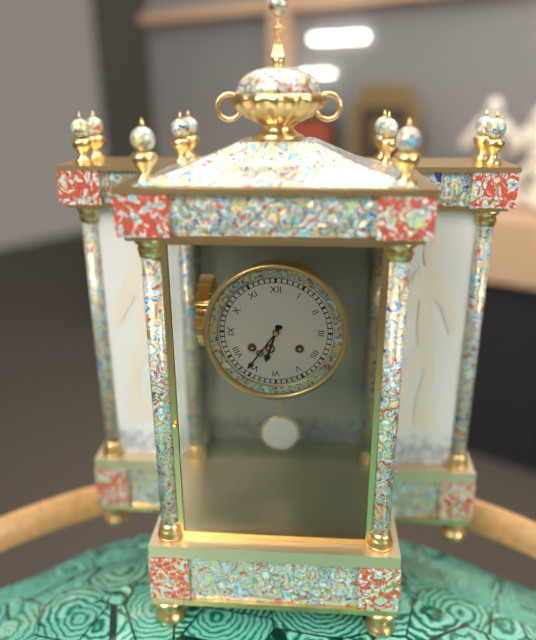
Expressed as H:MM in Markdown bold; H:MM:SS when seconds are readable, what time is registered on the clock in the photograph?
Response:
**6:36**
